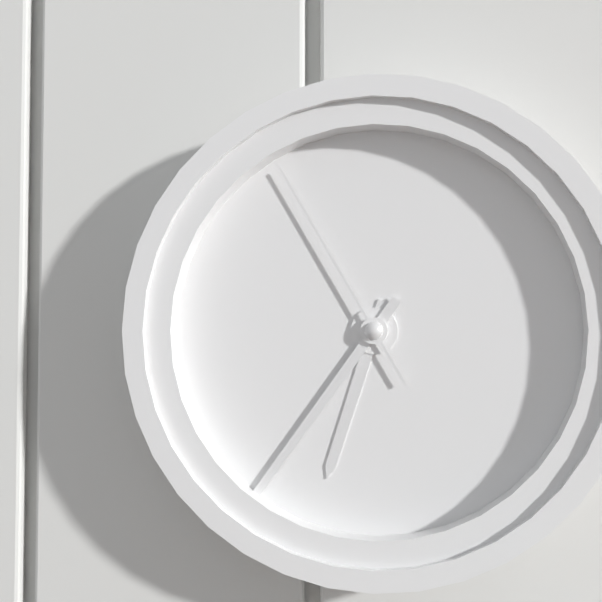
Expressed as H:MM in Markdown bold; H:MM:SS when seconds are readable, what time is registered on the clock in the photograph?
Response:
**6:36:55**
